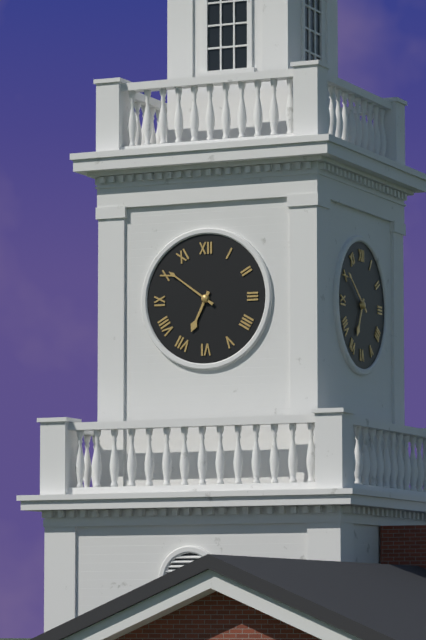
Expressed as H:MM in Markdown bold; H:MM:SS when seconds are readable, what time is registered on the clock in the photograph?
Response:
**6:51**
